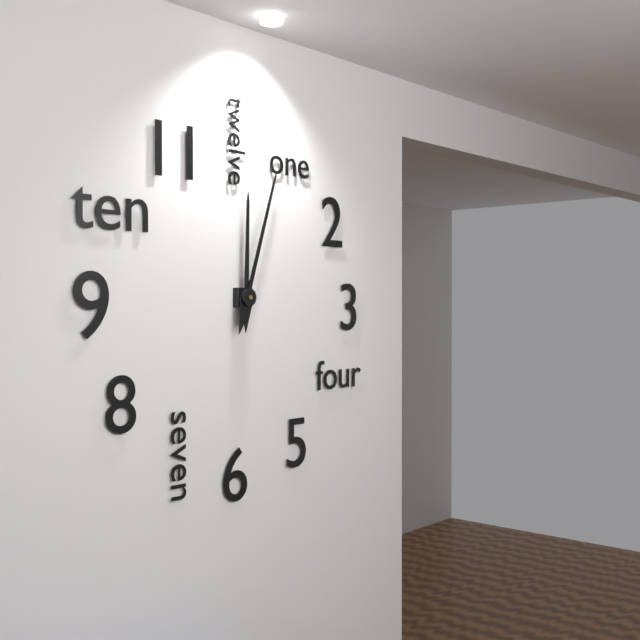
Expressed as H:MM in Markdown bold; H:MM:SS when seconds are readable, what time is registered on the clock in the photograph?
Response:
**12:03**
